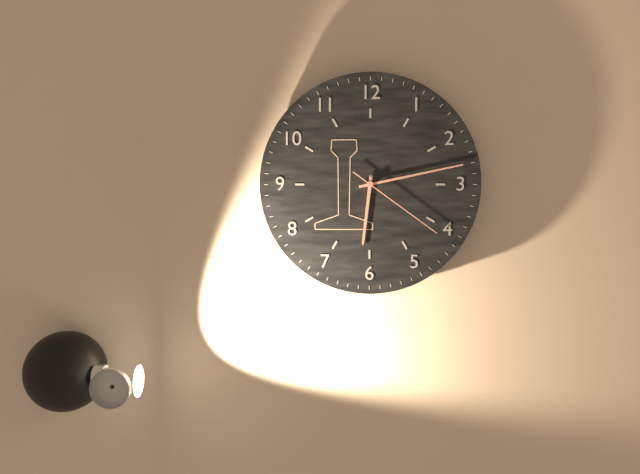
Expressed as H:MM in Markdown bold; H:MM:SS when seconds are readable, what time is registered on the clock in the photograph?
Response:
**6:13:21**
